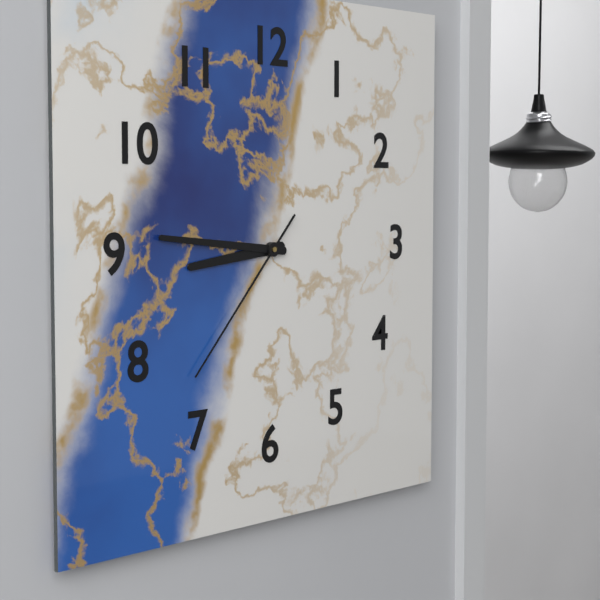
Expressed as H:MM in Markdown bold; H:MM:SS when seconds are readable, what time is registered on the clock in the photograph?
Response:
**8:46:37**
